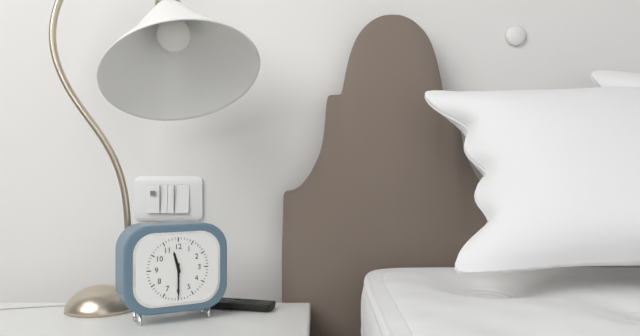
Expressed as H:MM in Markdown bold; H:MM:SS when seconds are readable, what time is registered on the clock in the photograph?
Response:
**11:30**
